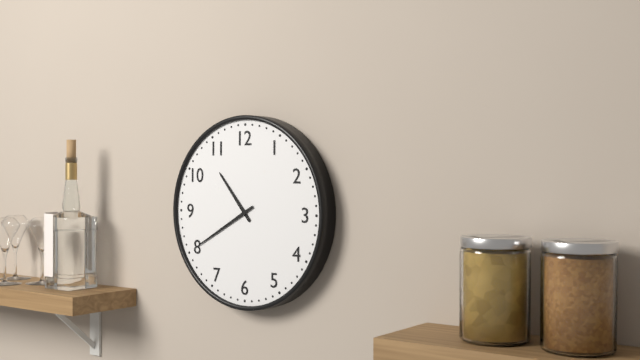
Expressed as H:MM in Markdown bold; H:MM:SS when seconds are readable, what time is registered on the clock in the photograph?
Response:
**10:40**
